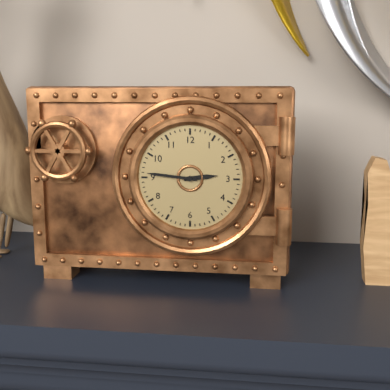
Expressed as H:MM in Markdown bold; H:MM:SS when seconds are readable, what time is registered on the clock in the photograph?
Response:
**2:46**
